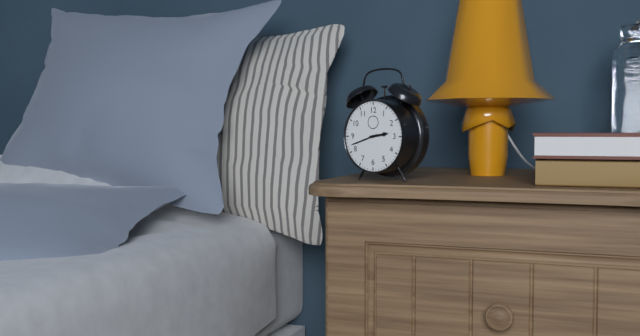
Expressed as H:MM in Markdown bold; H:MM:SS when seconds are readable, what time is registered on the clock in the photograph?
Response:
**2:42**
